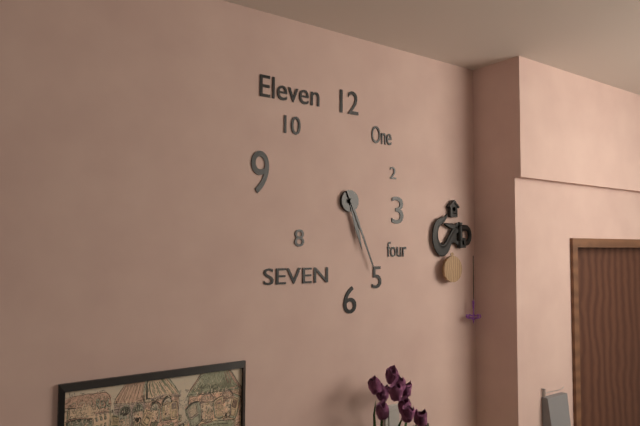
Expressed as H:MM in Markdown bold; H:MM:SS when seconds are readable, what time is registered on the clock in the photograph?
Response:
**5:26**
